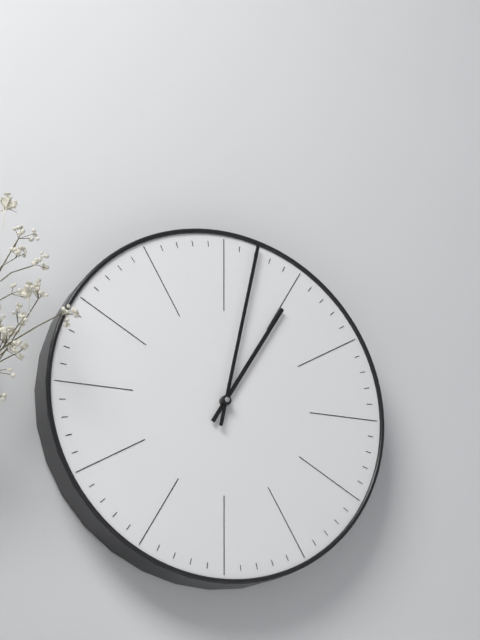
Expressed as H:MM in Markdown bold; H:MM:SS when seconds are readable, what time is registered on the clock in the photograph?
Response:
**1:02**
